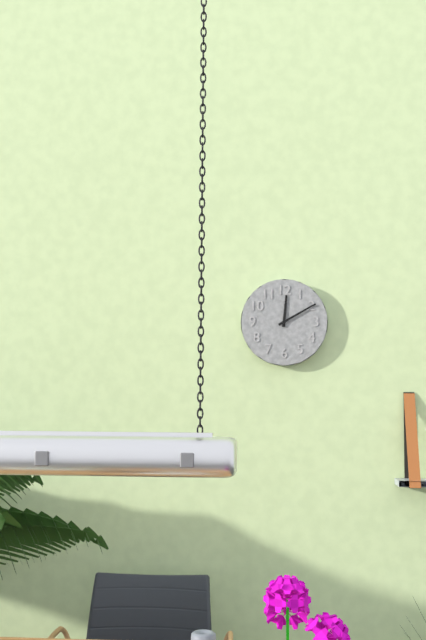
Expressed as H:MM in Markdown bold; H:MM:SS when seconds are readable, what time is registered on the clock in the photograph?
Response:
**12:10**
